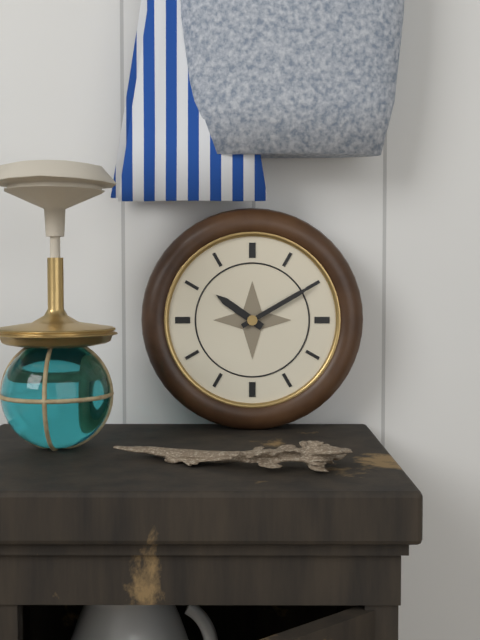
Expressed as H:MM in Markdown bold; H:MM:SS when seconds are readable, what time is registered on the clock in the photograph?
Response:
**10:10**
